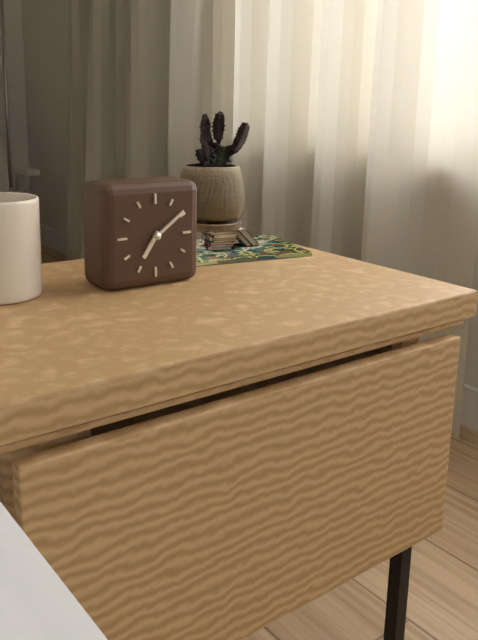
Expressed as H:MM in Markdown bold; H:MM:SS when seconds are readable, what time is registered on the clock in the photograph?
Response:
**7:09**
